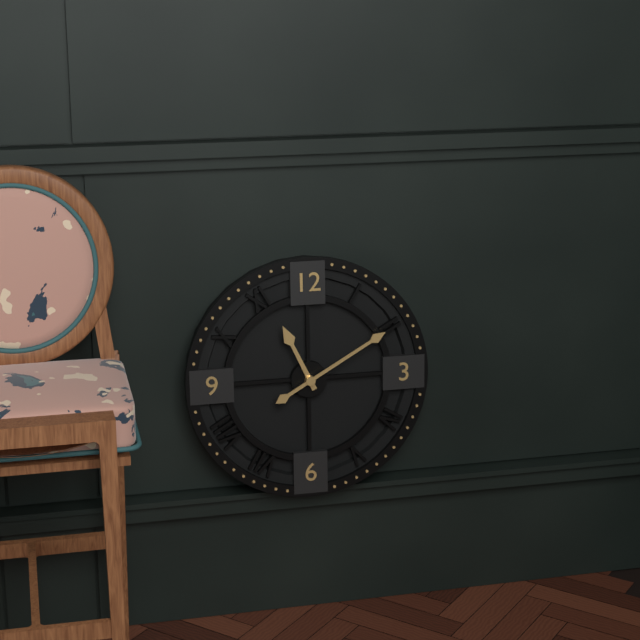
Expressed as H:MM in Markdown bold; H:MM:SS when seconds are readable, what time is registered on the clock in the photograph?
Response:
**11:10**
